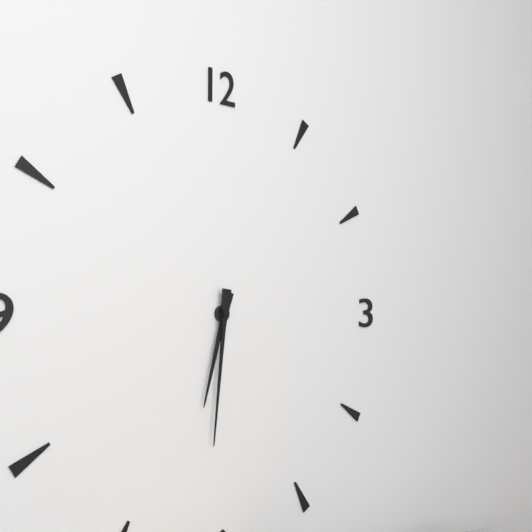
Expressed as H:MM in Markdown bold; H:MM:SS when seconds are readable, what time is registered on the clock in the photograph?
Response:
**6:31**
